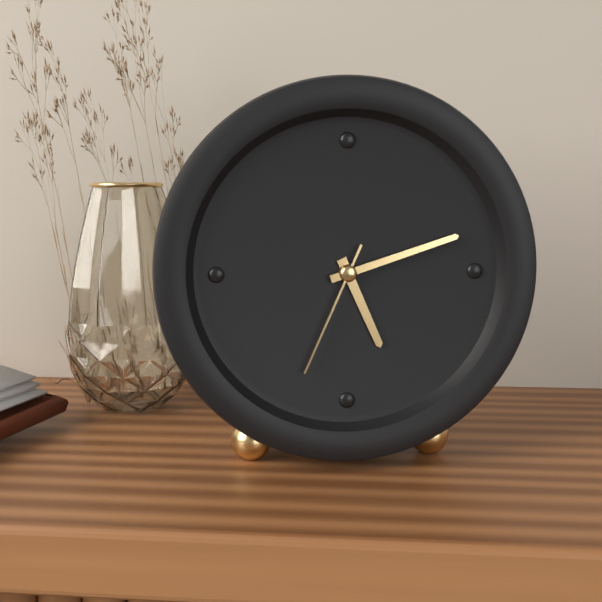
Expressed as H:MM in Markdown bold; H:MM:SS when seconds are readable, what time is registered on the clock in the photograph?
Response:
**5:12:34**
